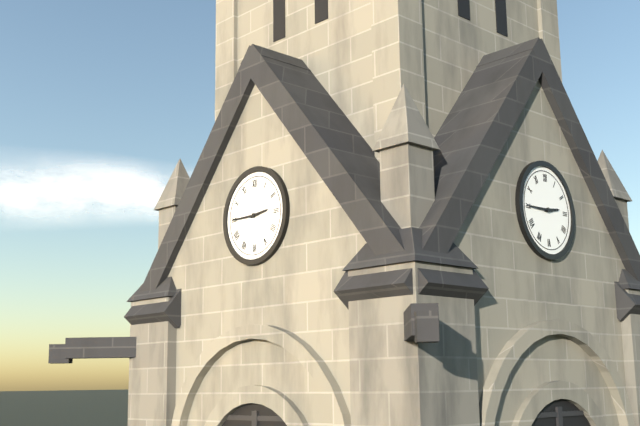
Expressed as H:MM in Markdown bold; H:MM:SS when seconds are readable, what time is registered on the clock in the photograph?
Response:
**2:45**
